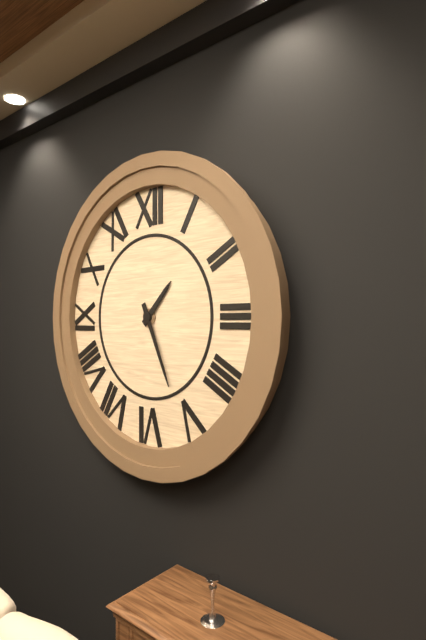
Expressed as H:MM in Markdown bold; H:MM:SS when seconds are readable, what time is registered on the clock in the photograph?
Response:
**1:26**
